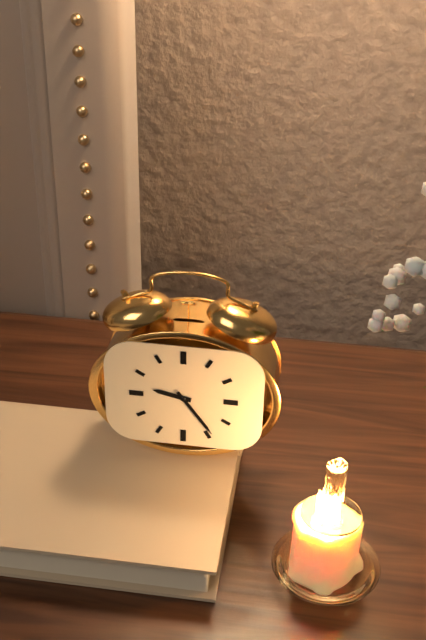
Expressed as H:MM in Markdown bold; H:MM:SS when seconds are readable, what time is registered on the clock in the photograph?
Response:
**9:24**
